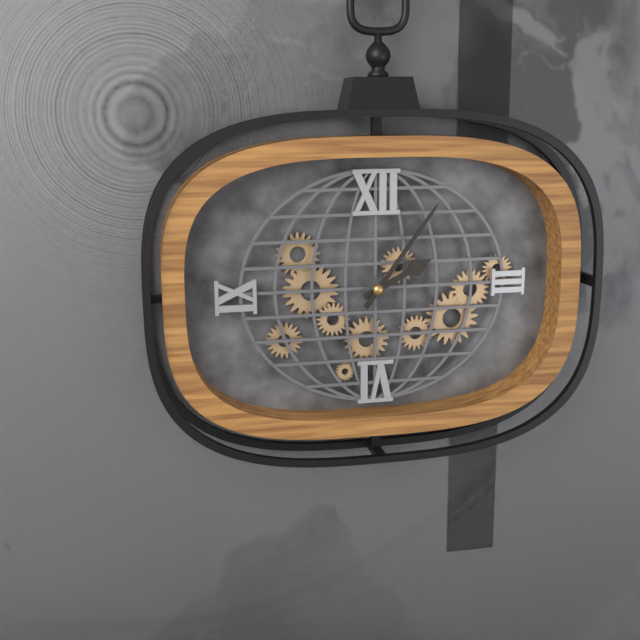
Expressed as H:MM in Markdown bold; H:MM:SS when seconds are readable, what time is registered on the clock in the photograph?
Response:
**2:06**
